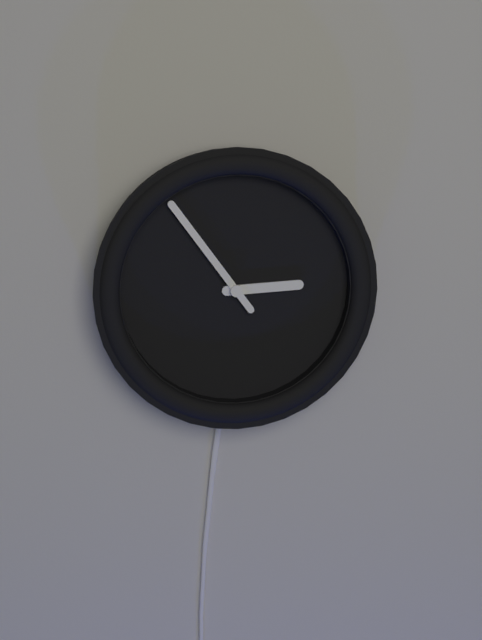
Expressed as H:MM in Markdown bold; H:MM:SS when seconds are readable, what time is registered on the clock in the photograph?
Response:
**2:54**
